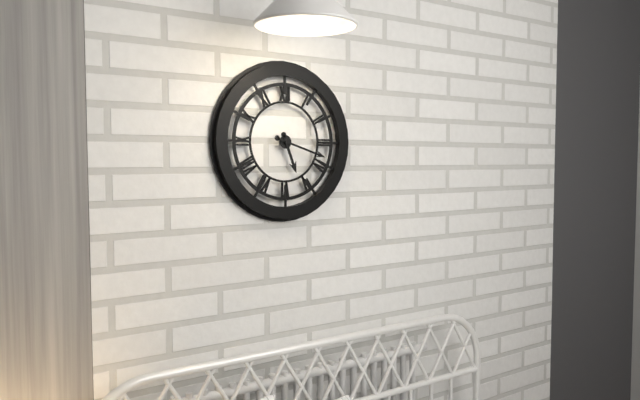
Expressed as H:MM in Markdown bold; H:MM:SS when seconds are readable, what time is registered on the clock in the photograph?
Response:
**5:18**
